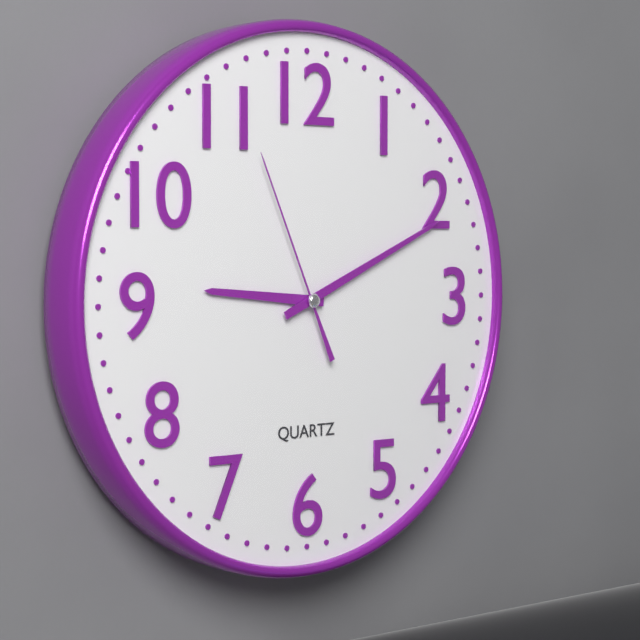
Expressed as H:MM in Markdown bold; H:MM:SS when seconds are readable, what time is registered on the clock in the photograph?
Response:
**9:11:56**
